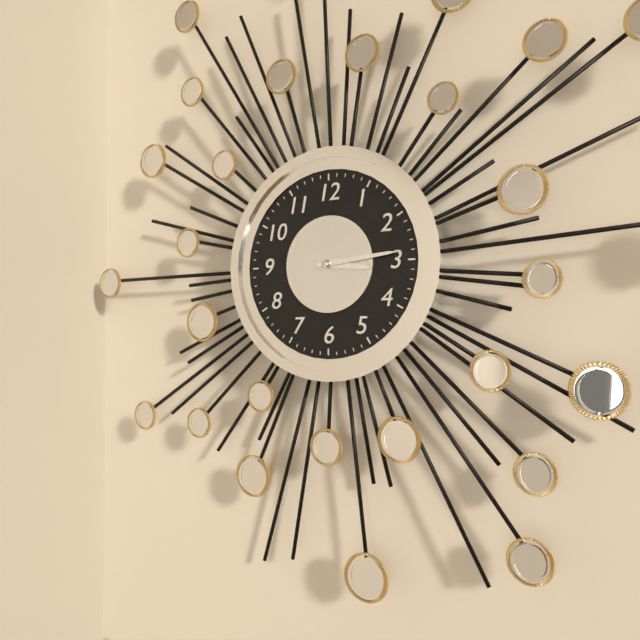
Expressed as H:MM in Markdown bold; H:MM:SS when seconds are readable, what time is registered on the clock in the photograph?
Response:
**3:14**
